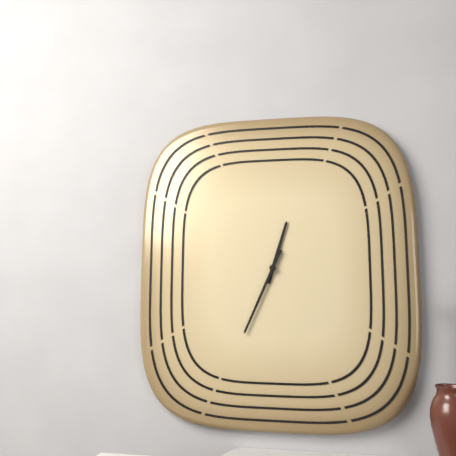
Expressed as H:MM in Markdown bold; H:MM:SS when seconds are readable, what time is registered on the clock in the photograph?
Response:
**12:34**
